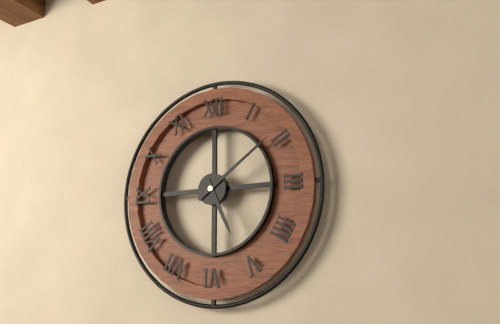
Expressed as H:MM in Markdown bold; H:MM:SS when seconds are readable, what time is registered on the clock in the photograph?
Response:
**5:09**
